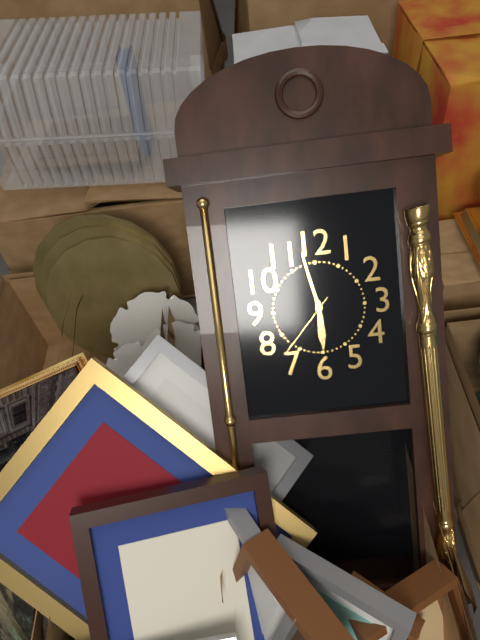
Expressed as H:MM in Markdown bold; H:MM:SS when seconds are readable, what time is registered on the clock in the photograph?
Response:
**5:58:37**
